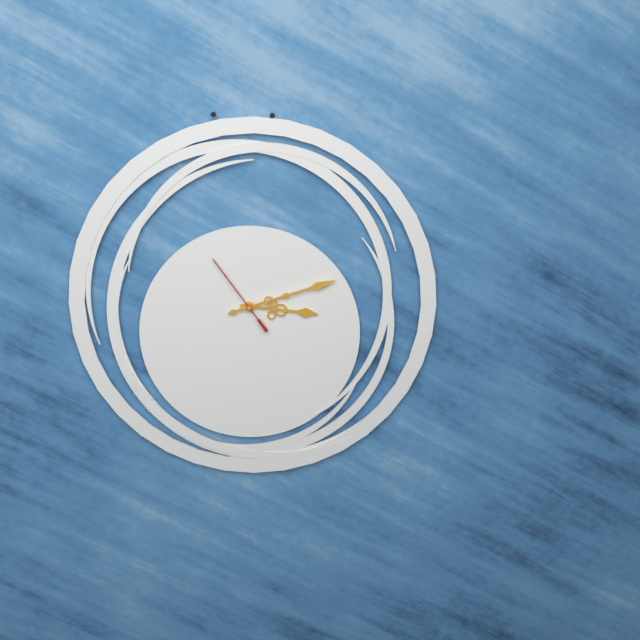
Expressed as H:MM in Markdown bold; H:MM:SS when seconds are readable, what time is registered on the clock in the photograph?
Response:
**3:12:54**
